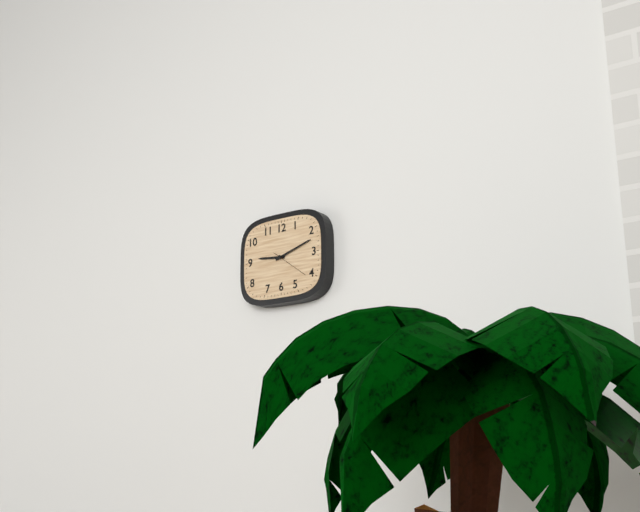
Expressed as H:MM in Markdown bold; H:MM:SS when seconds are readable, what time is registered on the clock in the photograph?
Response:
**9:12**
